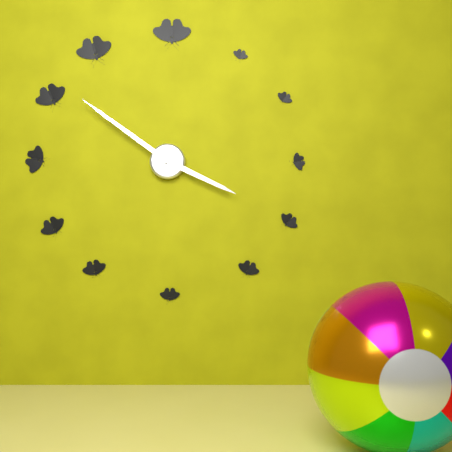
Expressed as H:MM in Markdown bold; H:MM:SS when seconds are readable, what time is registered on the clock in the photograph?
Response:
**3:51**
